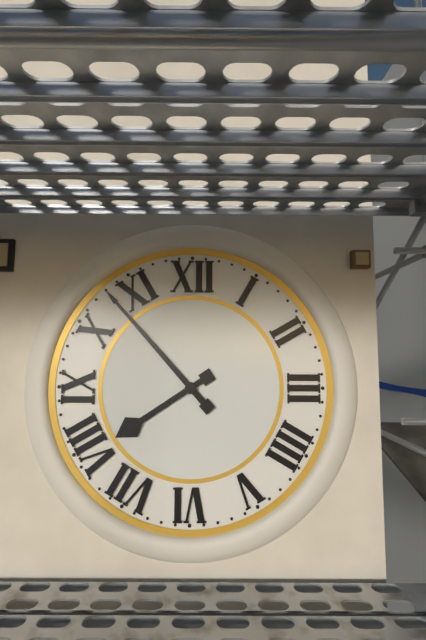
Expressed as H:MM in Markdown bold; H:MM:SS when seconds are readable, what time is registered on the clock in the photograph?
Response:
**7:53**
